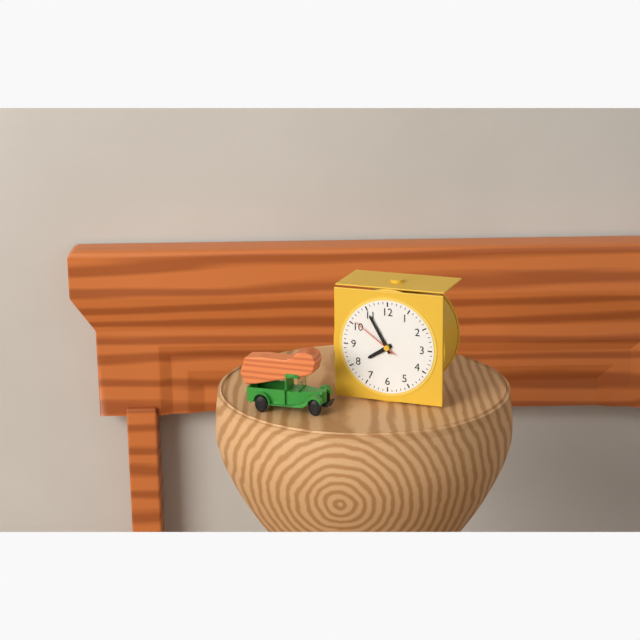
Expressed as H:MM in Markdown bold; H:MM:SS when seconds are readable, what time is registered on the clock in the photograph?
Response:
**7:55:51**
